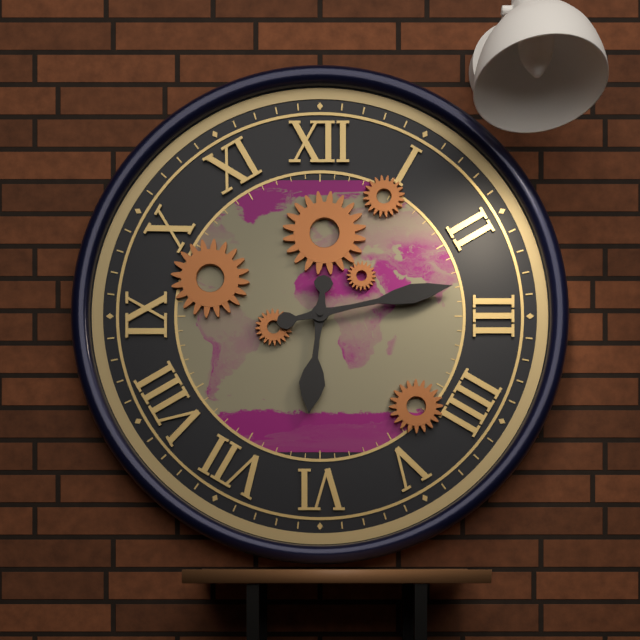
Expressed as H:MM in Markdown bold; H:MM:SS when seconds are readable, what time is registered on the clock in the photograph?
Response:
**6:13**
